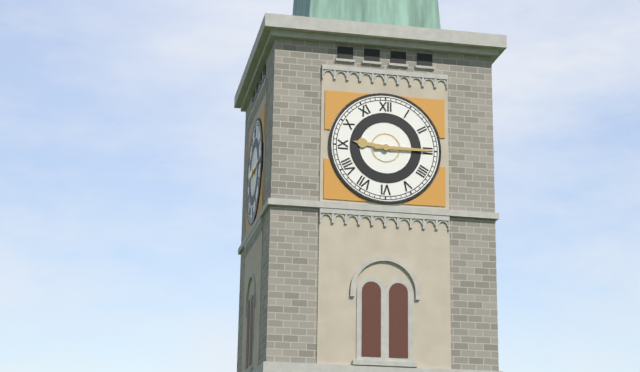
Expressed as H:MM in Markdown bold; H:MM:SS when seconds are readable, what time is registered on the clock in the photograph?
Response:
**9:15**
